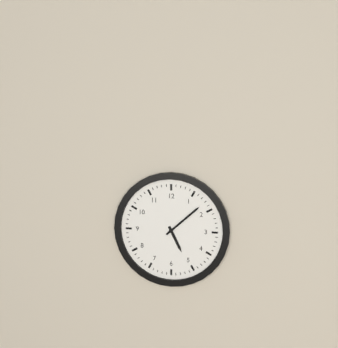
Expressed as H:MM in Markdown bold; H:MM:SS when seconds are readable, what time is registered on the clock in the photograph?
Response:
**5:08**
